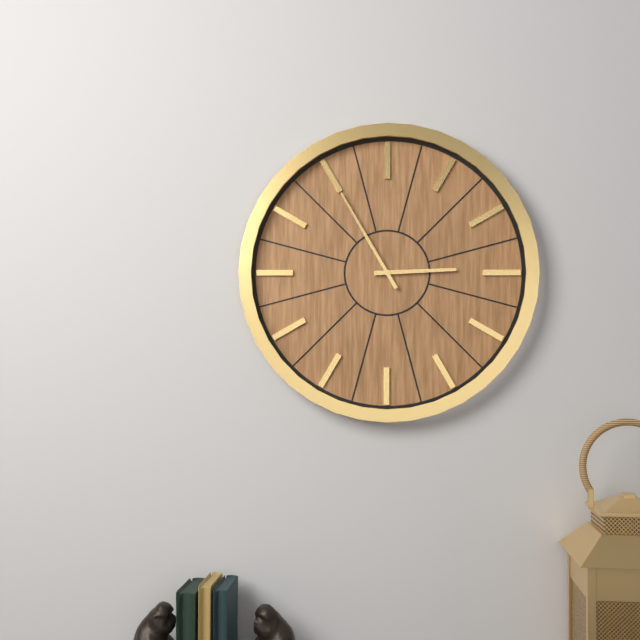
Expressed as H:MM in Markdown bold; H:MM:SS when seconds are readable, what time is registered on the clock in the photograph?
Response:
**2:55**
